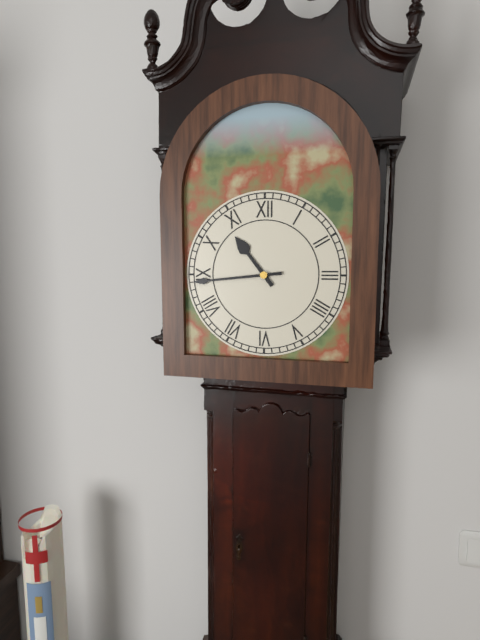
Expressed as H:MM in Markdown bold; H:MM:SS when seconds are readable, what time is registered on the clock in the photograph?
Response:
**10:44**
